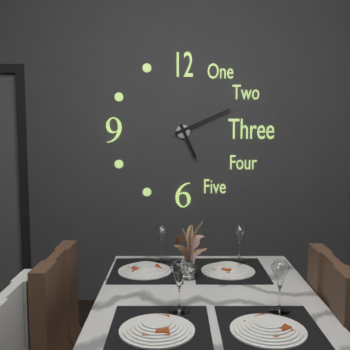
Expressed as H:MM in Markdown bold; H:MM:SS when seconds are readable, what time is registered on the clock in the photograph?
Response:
**5:11**
